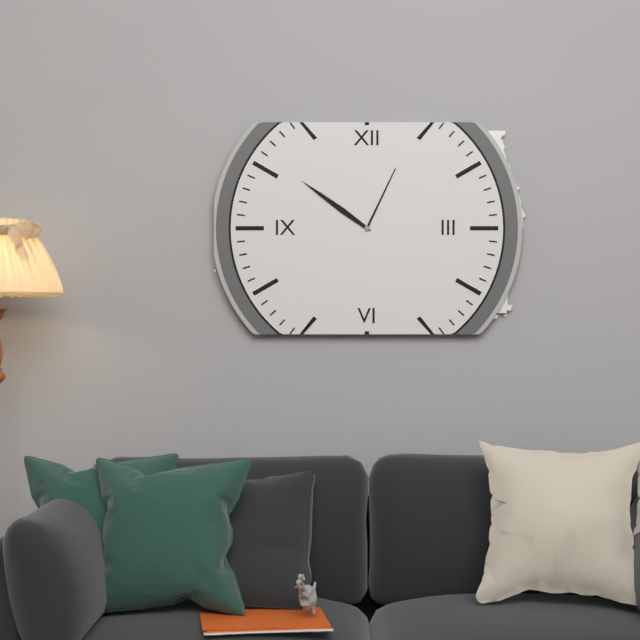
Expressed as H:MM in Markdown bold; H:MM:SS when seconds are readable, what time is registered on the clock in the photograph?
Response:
**12:51**
